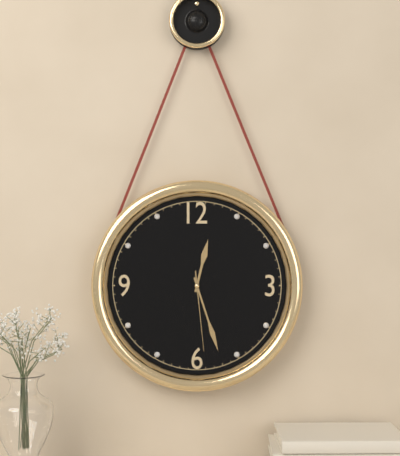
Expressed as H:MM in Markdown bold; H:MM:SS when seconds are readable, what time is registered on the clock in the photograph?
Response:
**12:27:29**
